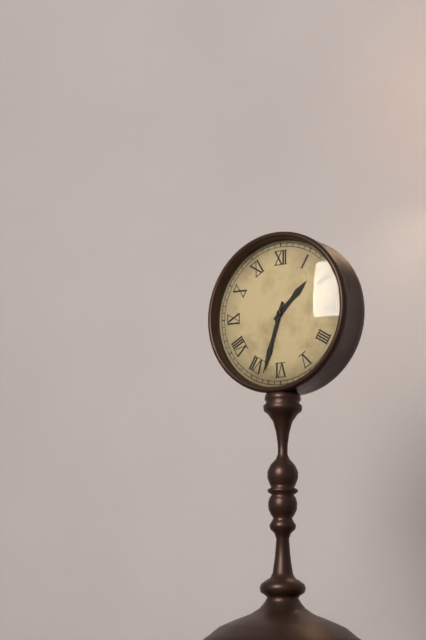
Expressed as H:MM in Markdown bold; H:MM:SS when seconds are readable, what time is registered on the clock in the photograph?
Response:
**1:33**
